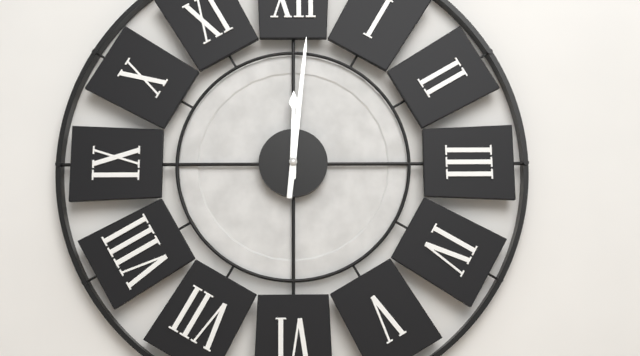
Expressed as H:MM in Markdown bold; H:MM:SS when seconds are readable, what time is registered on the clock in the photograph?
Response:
**12:01**
